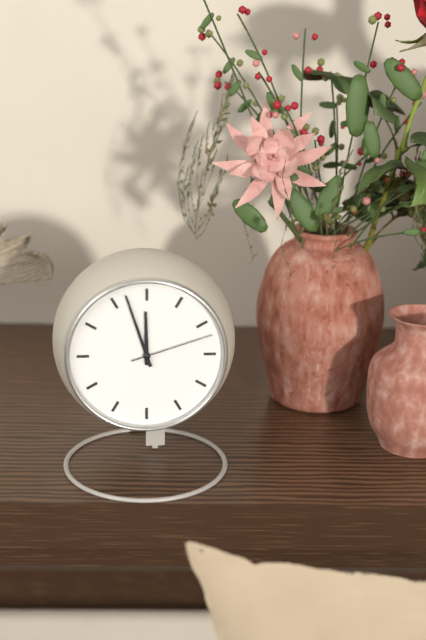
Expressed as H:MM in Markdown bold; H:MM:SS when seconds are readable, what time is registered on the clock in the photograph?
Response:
**11:57:12**
